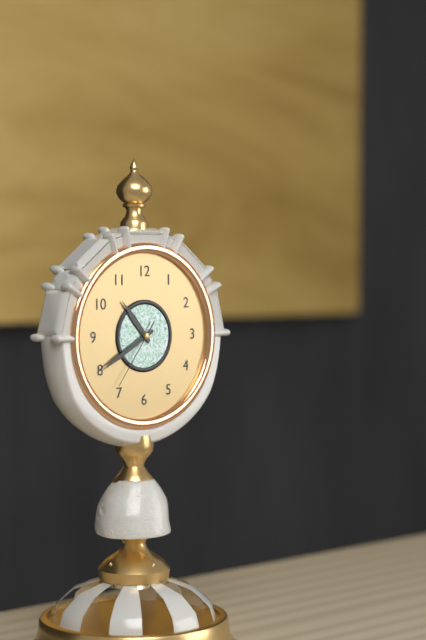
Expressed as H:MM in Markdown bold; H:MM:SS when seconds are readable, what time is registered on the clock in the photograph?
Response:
**10:40:36**
